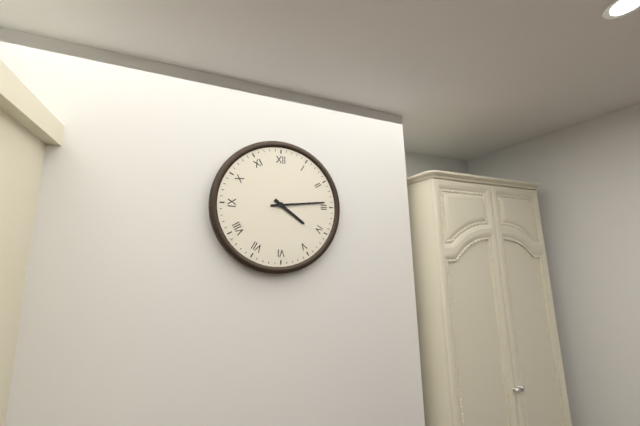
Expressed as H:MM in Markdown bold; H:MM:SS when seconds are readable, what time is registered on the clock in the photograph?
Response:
**4:14**
